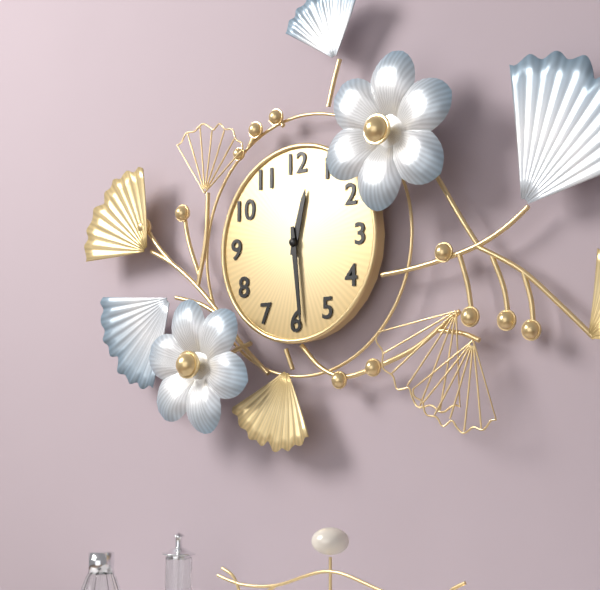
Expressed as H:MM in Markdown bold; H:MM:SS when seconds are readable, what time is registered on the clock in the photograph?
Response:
**12:29**
